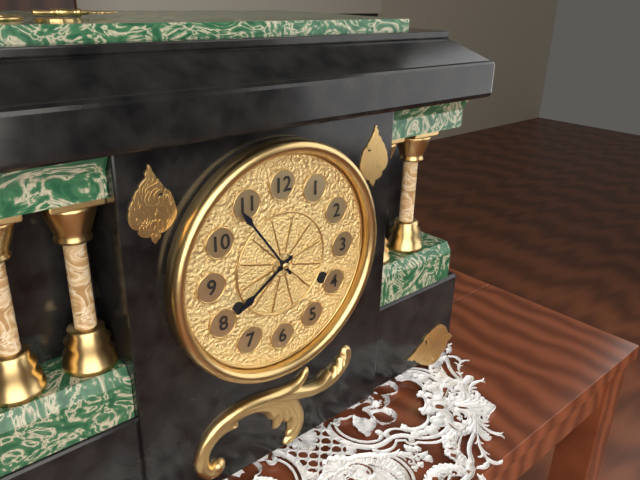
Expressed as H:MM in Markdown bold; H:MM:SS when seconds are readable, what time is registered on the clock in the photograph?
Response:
**7:54**
